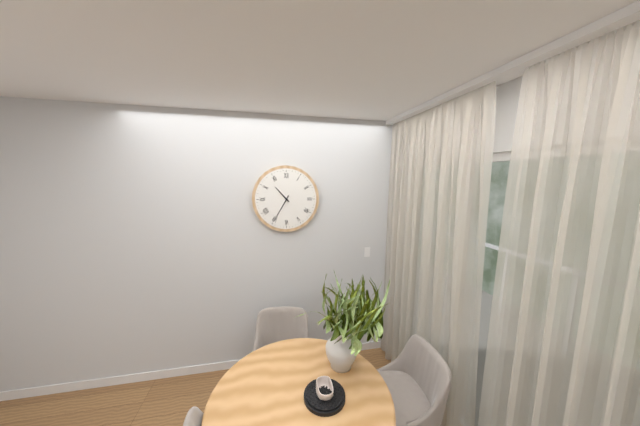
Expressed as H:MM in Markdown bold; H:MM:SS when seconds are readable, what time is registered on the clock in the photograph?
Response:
**10:35**
